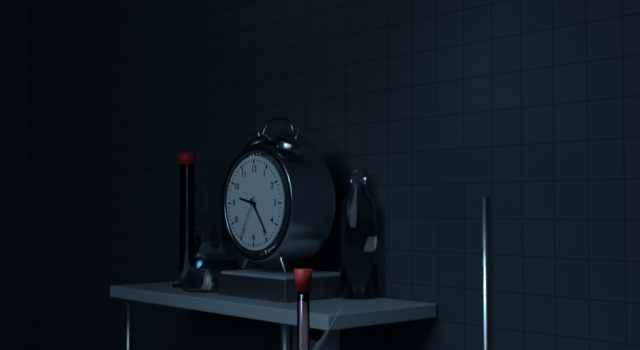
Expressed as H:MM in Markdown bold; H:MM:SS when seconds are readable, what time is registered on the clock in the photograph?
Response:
**9:24**
